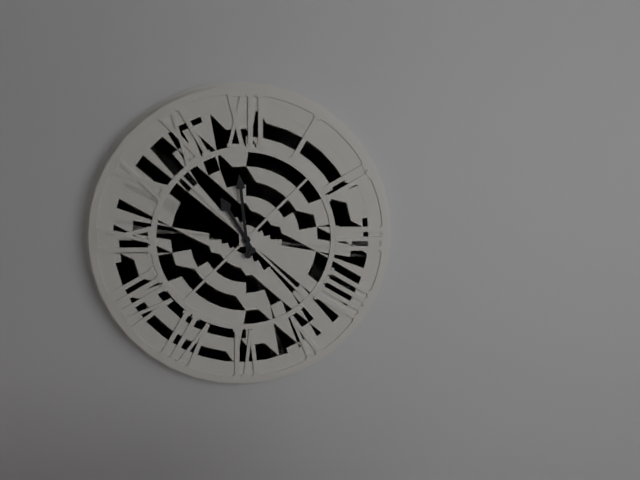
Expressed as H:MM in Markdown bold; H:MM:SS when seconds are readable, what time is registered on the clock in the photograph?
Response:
**10:59**
